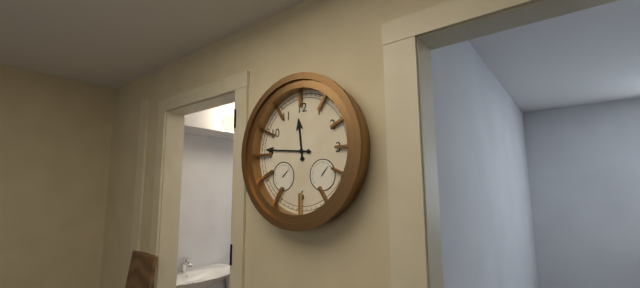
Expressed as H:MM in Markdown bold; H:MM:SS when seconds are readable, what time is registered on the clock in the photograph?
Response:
**11:46**
